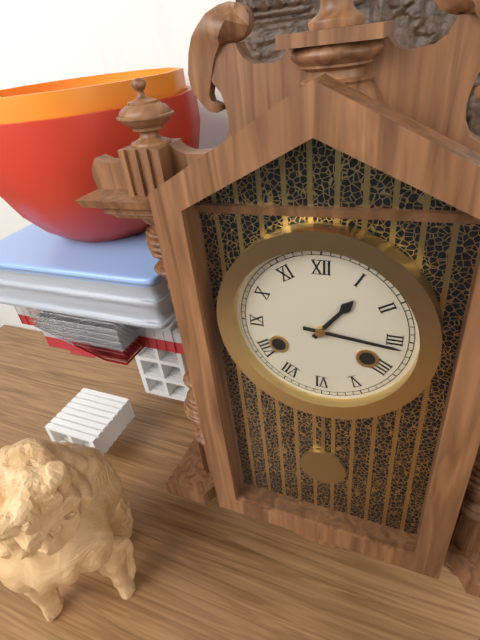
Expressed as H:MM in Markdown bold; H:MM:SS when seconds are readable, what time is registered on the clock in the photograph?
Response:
**1:16**
